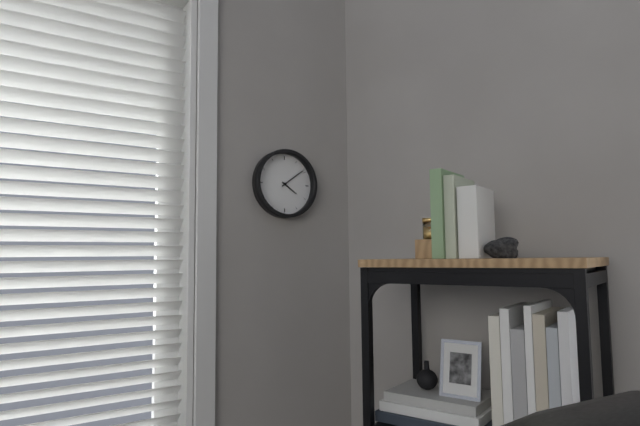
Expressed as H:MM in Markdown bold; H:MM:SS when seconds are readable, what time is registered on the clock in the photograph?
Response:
**4:09**
